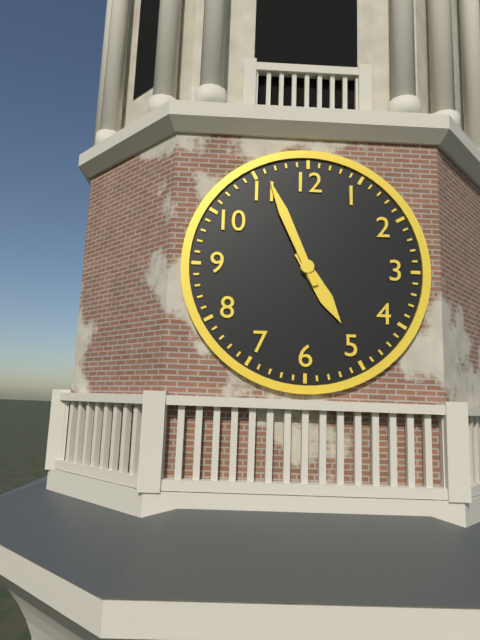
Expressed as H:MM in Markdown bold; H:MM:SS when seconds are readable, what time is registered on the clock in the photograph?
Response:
**4:56**
